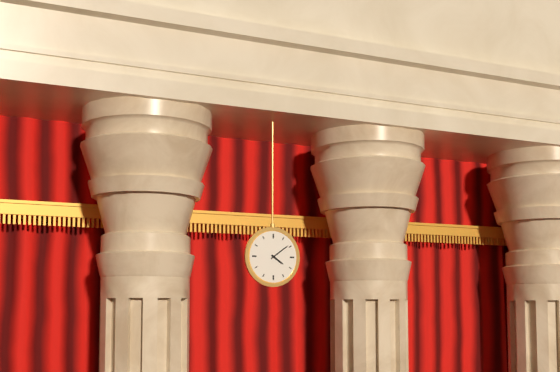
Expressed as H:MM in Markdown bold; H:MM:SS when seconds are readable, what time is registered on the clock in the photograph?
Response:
**4:09**
